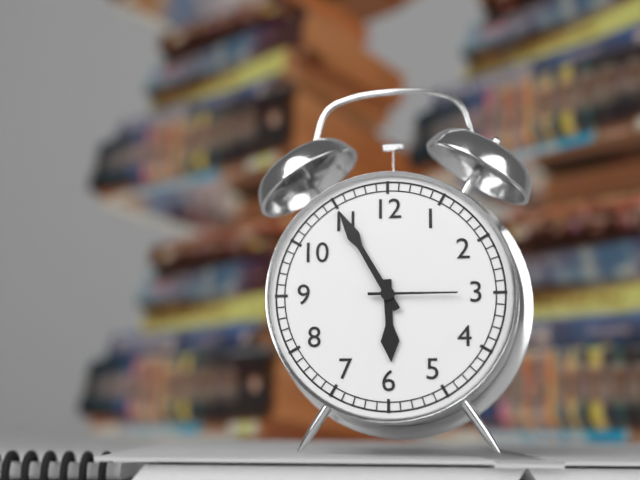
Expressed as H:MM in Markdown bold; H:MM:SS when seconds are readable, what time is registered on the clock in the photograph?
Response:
**5:55:15**
